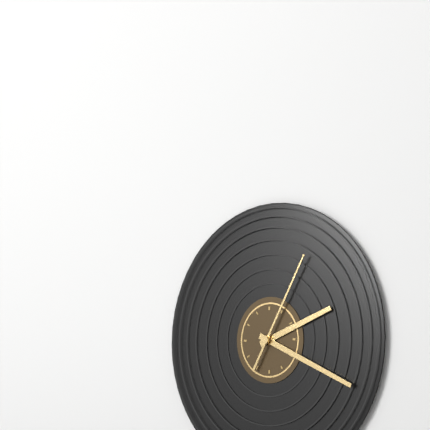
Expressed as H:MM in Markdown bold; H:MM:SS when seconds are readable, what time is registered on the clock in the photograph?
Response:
**2:19:05**
